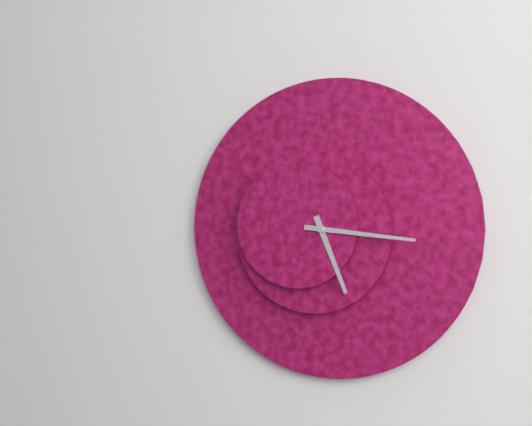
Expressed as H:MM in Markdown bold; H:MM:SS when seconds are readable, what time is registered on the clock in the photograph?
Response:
**5:16**
